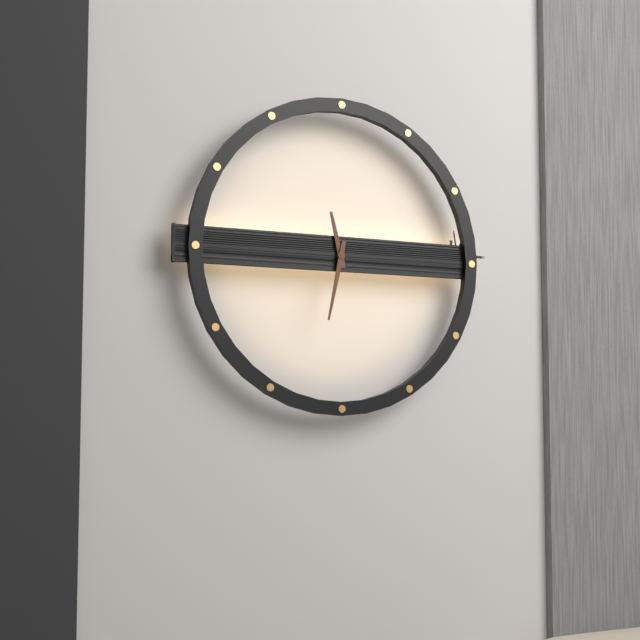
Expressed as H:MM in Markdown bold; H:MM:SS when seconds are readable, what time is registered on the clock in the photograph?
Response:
**11:32**
